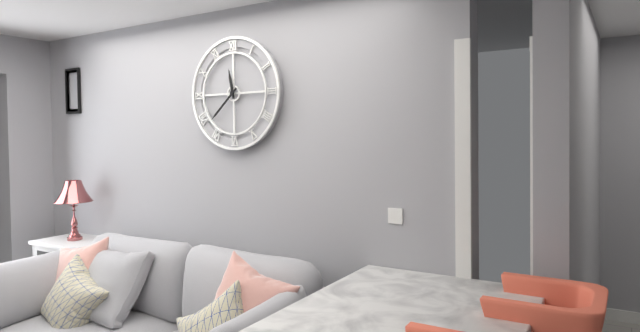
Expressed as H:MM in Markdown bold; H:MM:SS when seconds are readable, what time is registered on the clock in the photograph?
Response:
**11:38**
